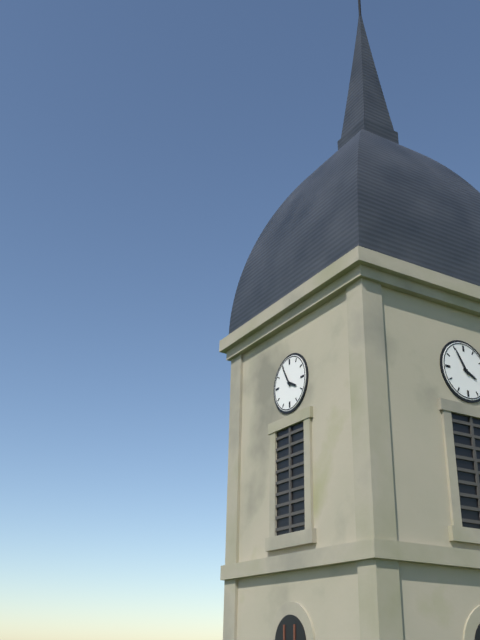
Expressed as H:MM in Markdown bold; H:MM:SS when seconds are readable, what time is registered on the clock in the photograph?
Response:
**3:55**
